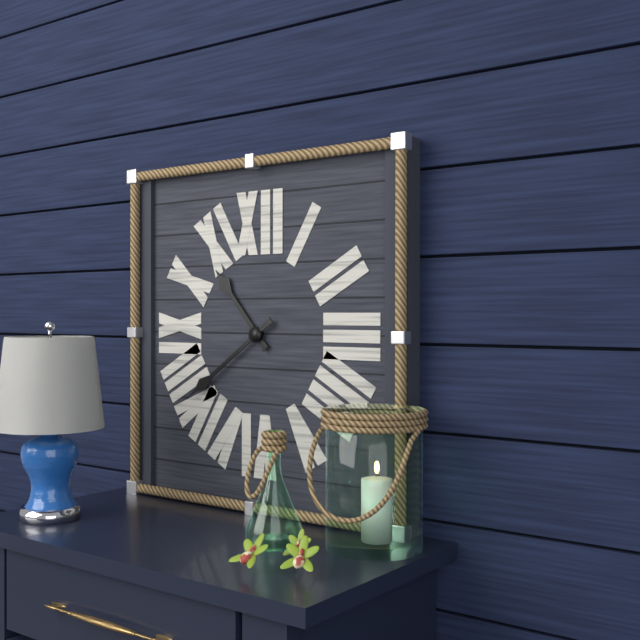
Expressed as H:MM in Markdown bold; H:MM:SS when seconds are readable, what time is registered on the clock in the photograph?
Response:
**10:39**
